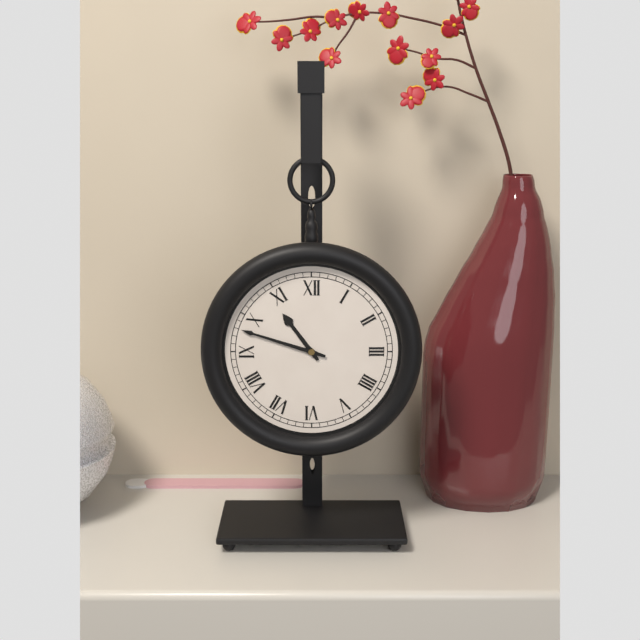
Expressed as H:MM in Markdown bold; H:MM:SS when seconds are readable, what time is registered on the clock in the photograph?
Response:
**10:48**
